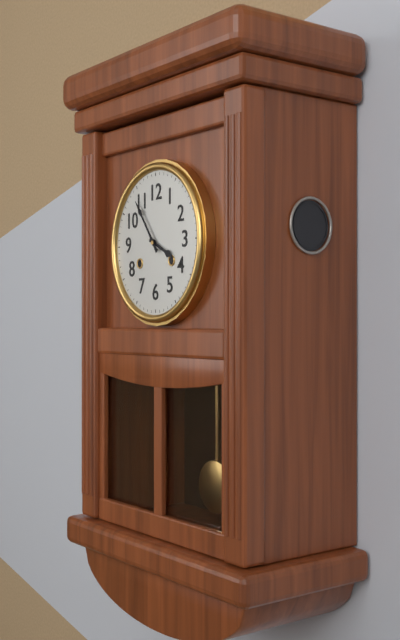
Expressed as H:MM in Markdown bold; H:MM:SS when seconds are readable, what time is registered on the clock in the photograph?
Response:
**3:54**
